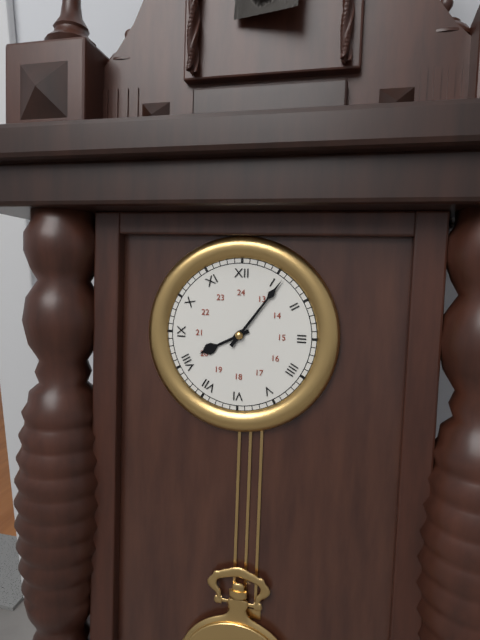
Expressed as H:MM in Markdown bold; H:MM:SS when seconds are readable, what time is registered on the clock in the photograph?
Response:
**8:06**
